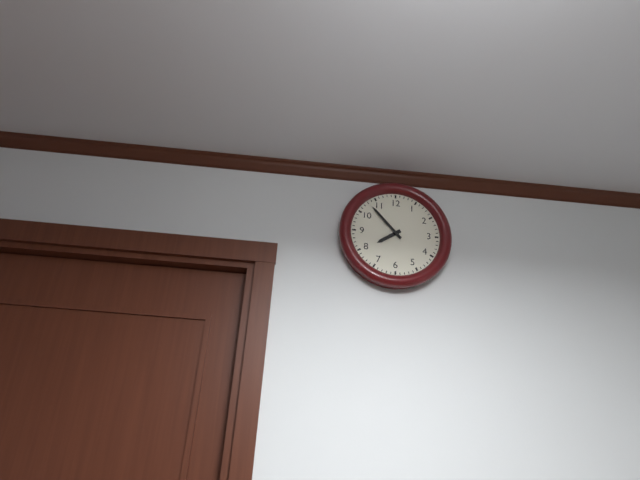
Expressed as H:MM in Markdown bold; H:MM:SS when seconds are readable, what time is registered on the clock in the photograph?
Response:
**7:53**
